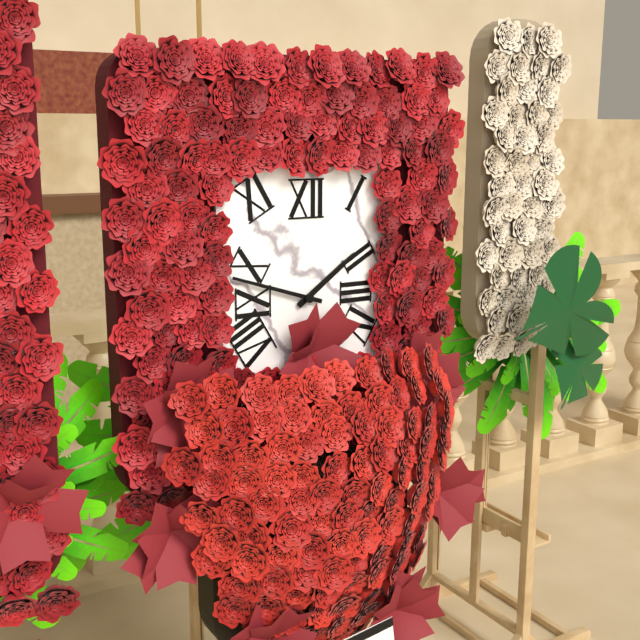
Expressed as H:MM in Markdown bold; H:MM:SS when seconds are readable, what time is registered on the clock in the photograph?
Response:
**1:48**
